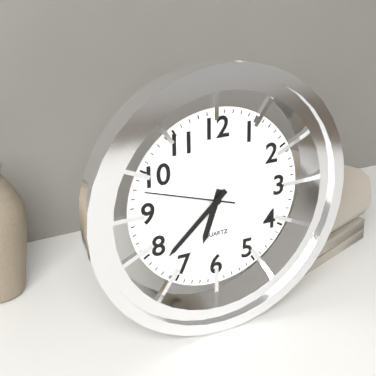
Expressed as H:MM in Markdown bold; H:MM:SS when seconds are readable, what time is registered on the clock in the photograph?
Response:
**6:38:48**
